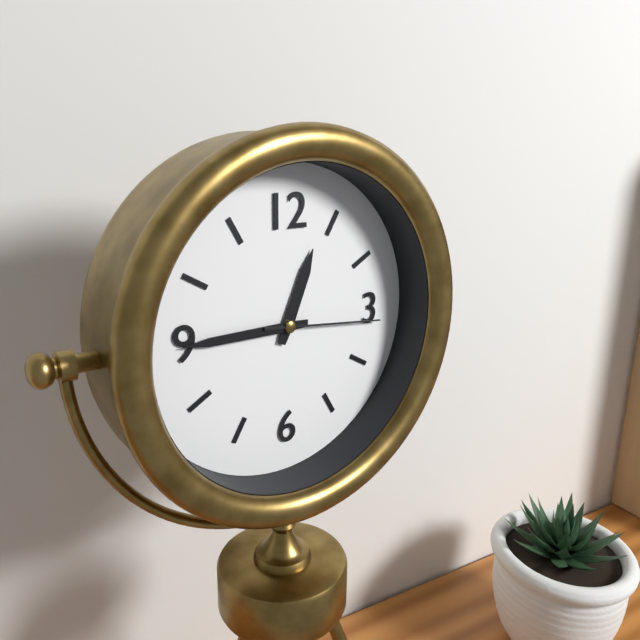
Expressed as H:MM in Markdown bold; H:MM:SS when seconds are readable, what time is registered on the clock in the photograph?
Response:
**12:45:16**
